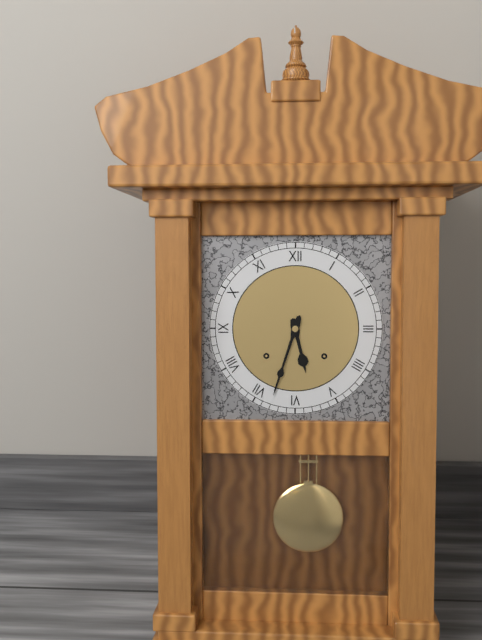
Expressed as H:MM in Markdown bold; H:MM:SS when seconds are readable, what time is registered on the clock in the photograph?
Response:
**5:33**
